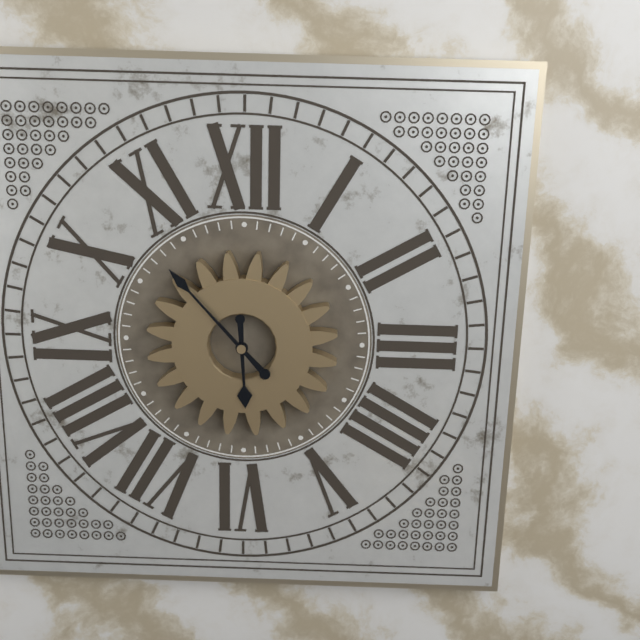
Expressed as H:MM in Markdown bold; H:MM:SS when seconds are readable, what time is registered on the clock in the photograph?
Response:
**5:53**
